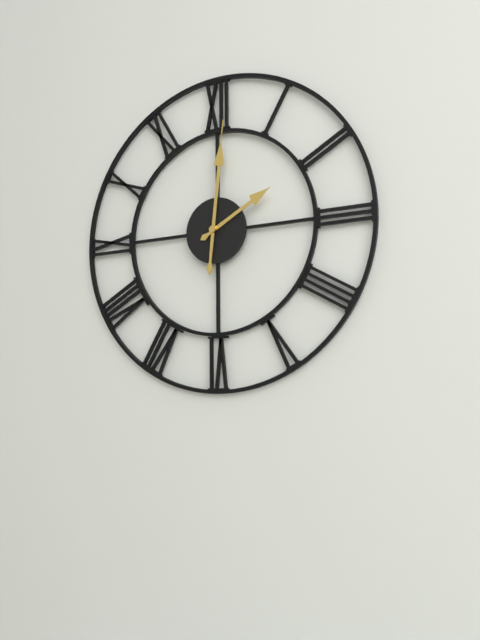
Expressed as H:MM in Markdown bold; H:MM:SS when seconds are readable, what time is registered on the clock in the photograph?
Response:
**2:01**
